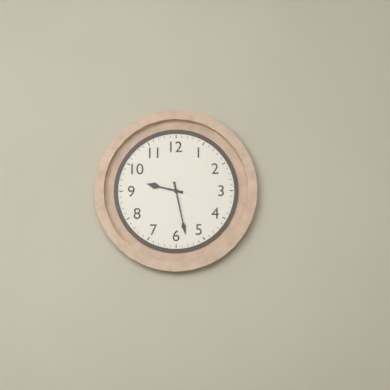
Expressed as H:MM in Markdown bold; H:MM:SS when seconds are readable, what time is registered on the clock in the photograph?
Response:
**9:28**
